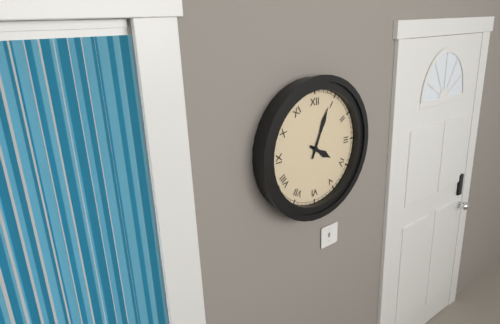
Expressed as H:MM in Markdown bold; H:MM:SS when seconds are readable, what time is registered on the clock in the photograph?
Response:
**4:04**
